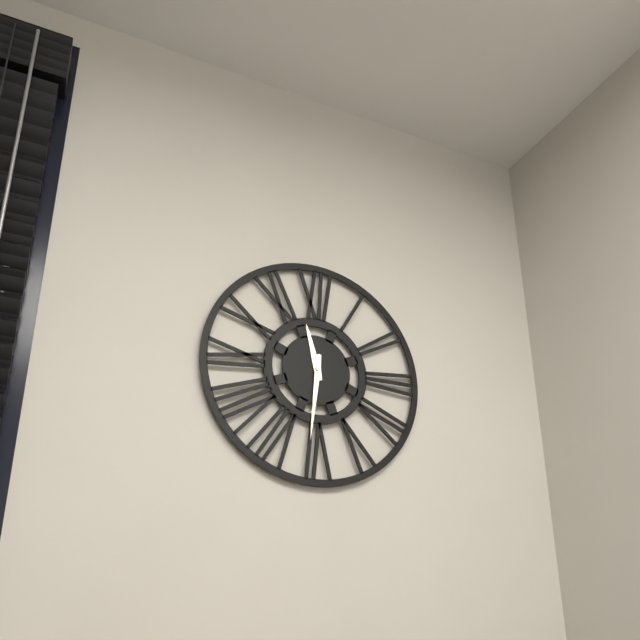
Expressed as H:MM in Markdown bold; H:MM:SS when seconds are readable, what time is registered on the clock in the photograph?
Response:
**11:31**
